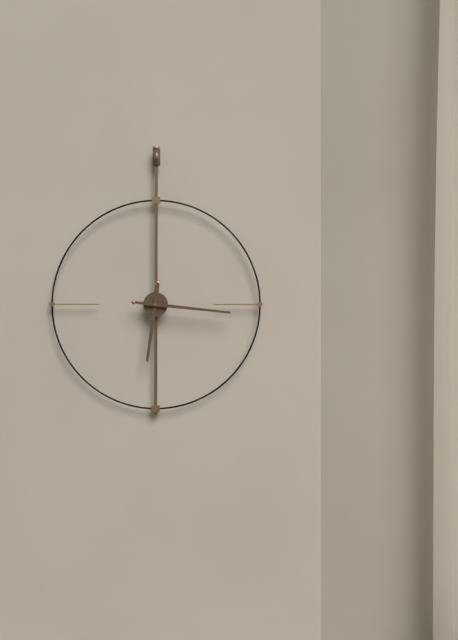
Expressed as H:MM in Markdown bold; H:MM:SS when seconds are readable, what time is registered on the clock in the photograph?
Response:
**6:16**
